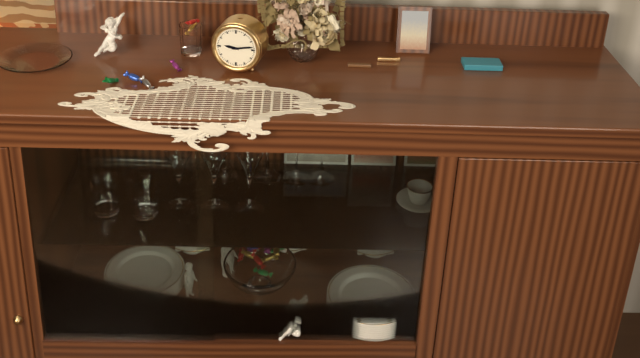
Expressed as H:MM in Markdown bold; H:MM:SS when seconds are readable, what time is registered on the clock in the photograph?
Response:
**9:13**
